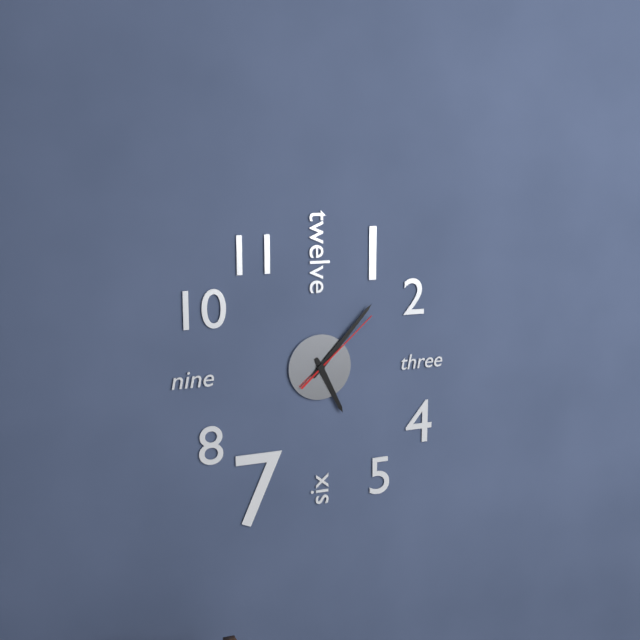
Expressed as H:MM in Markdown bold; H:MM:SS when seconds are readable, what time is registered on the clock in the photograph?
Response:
**5:07:08**
